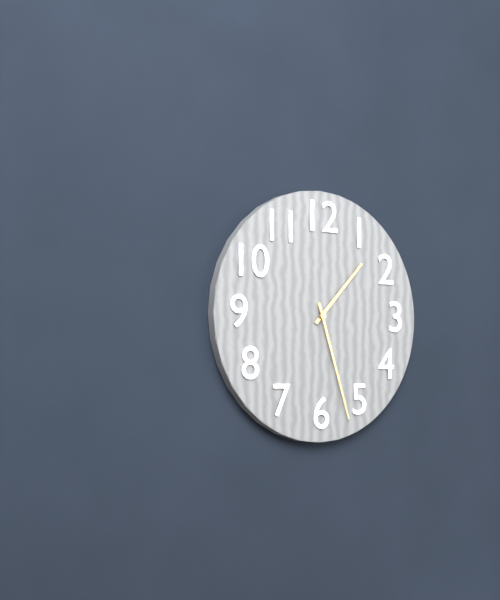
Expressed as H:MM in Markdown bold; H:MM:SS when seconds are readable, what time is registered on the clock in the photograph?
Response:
**1:27**
